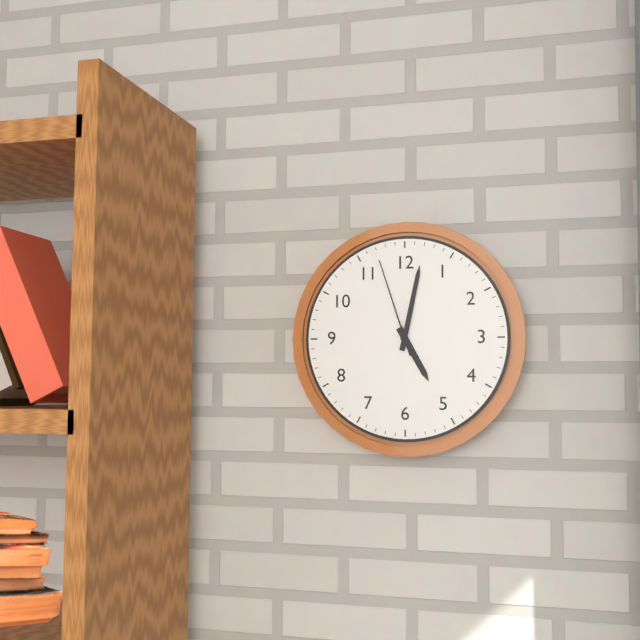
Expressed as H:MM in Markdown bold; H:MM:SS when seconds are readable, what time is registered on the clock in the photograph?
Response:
**5:02:57**
